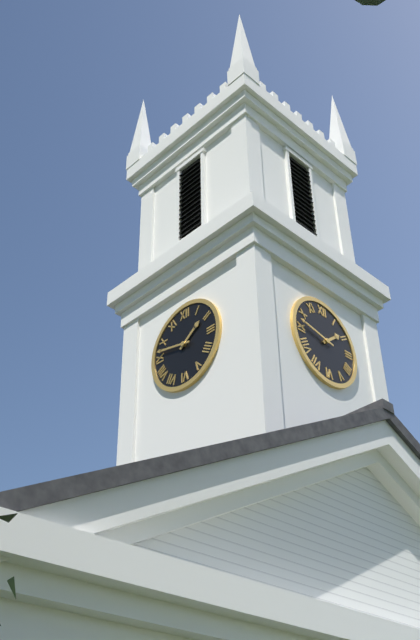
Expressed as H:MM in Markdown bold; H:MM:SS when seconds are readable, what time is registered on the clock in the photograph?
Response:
**1:47**
